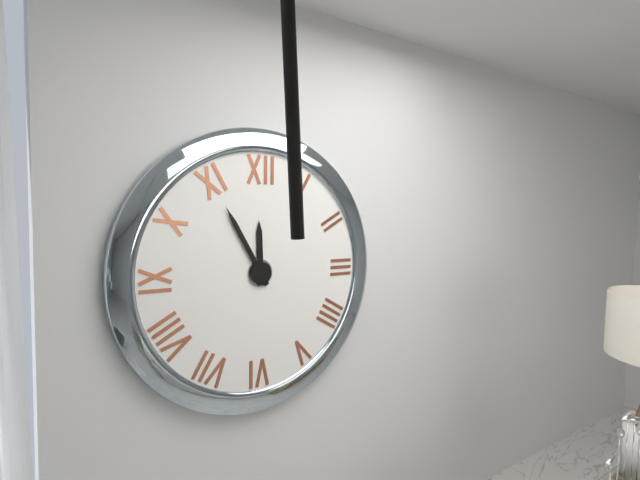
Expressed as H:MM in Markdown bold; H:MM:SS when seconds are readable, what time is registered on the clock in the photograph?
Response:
**11:55**
